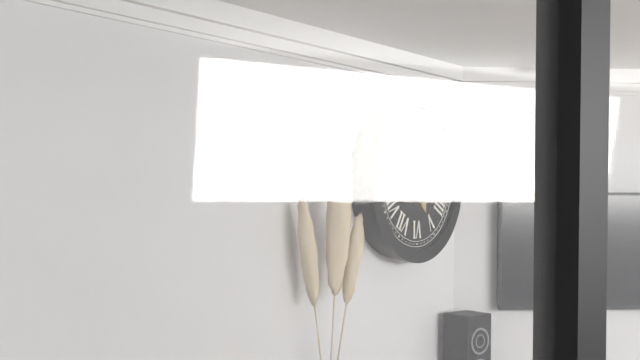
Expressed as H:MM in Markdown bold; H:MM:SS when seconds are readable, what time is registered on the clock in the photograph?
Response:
**5:11**
